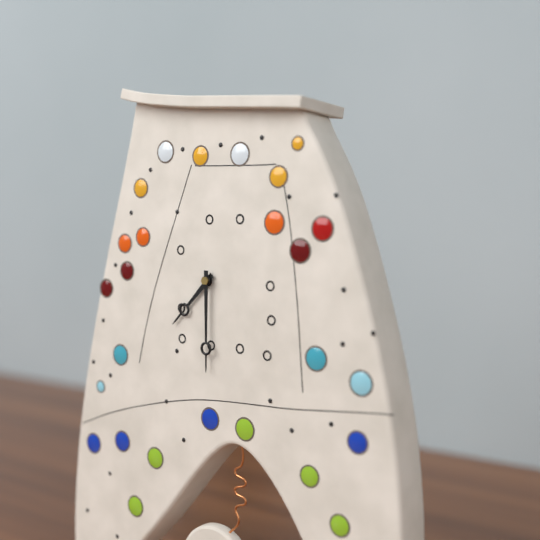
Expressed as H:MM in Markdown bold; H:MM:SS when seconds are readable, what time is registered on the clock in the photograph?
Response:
**7:30**
